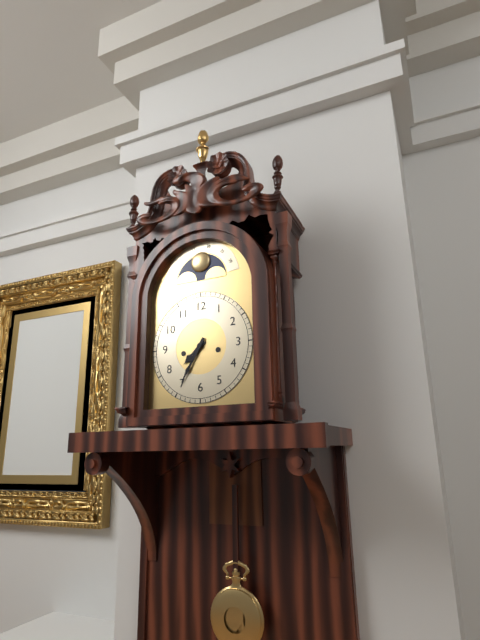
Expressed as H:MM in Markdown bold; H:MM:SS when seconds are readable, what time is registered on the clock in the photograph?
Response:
**7:35**
